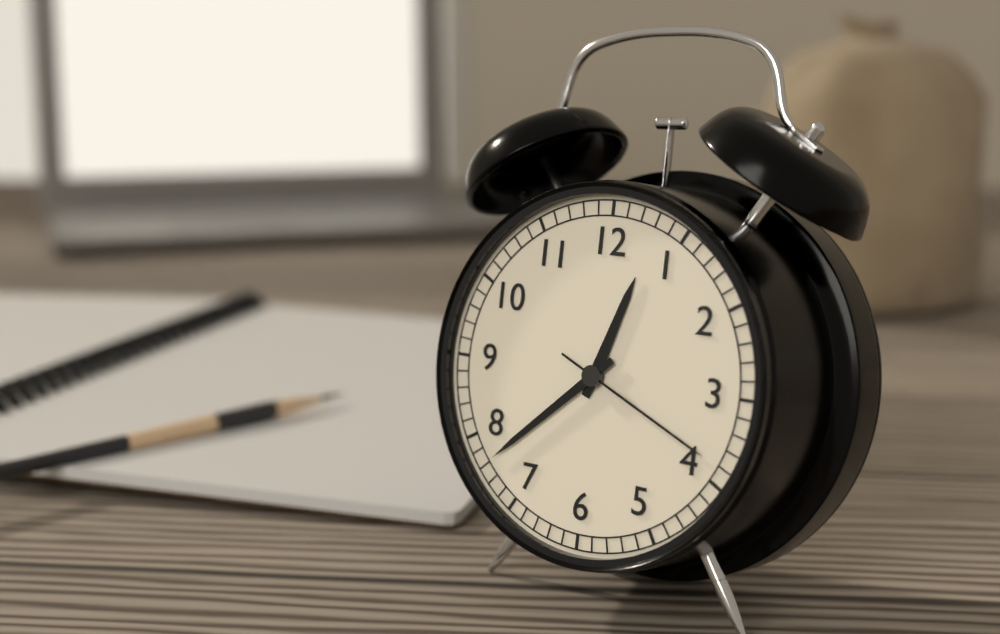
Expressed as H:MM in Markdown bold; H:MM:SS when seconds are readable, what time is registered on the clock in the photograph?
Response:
**12:38:19**
